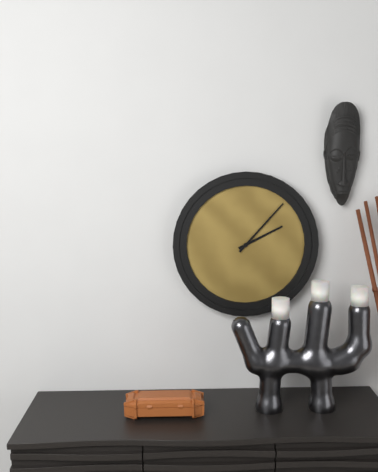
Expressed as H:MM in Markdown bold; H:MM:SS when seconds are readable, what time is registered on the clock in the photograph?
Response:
**2:07**
